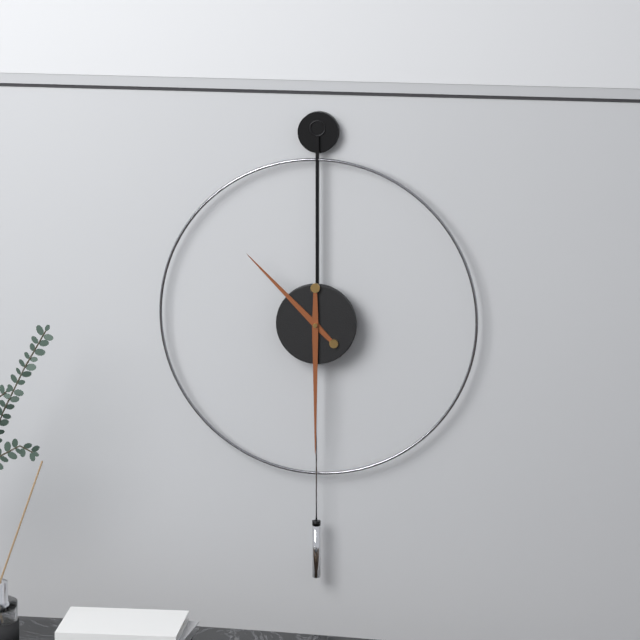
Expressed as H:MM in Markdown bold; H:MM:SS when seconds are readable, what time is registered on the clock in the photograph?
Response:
**10:30**
